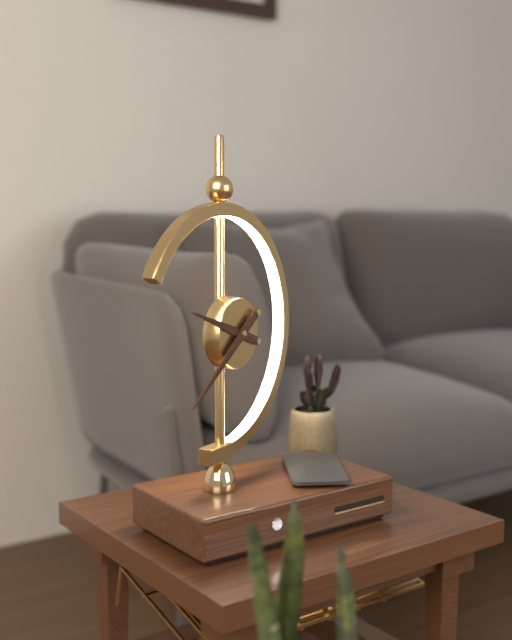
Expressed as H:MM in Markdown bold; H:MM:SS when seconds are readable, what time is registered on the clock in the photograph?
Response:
**9:39**
